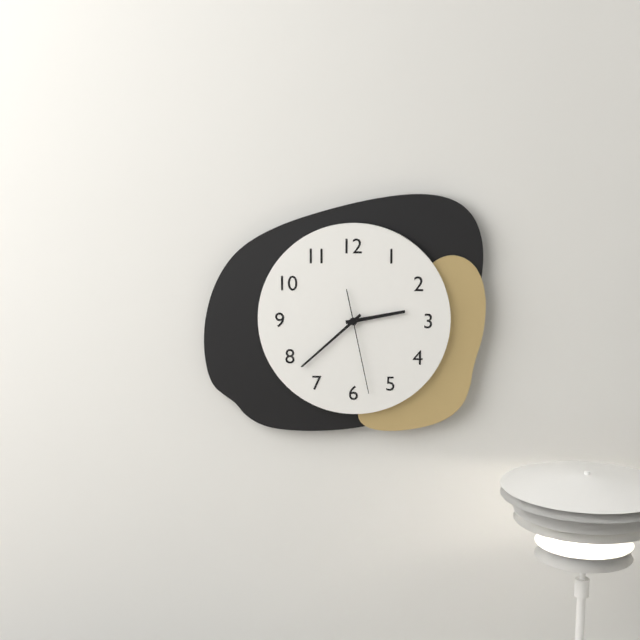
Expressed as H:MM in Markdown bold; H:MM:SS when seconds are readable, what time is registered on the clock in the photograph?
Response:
**2:38:28**
